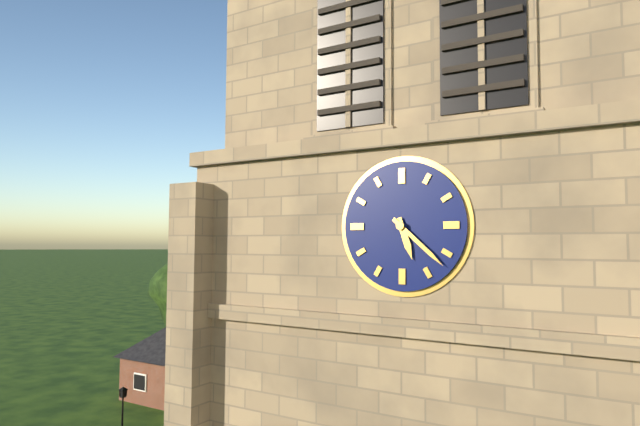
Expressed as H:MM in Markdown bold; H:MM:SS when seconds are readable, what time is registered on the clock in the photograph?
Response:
**5:22**
